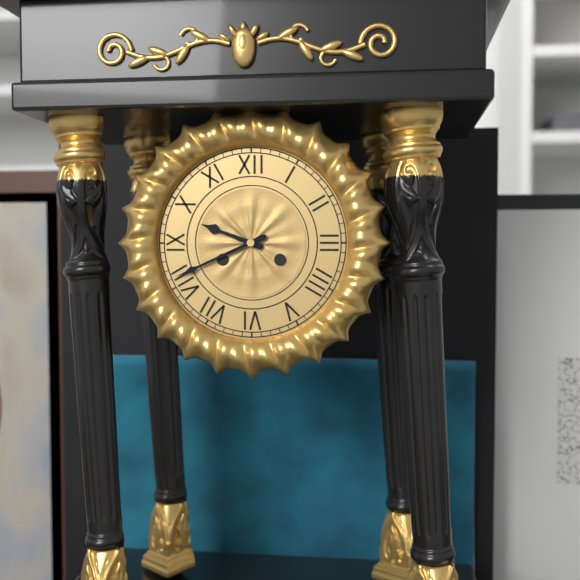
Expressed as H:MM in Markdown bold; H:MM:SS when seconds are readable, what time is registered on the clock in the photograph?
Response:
**9:41**
